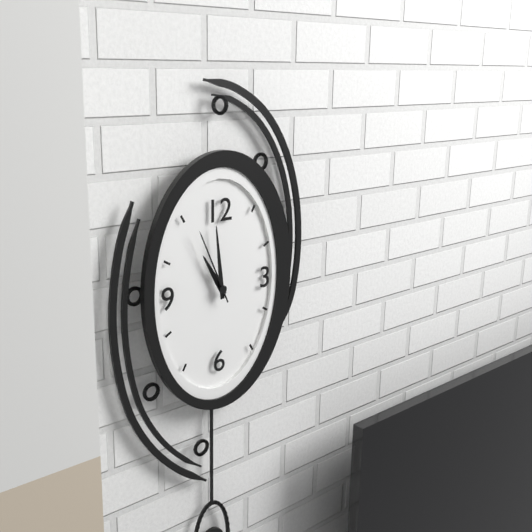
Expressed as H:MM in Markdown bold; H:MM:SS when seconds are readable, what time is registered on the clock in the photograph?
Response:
**10:59:56**
